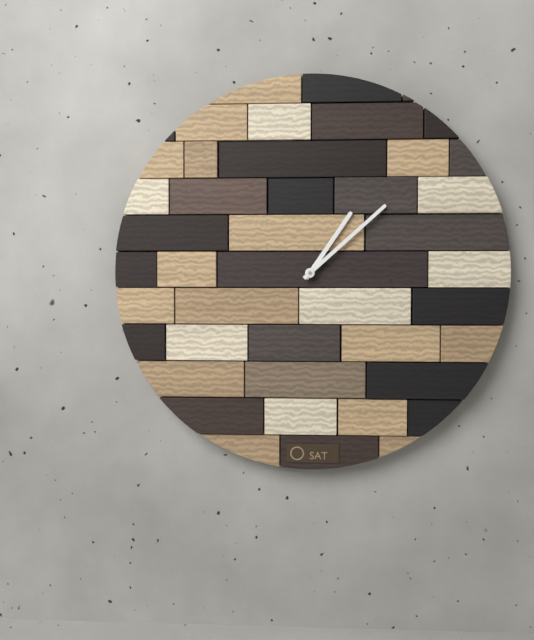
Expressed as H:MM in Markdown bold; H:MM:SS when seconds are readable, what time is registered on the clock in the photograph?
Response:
**1:08**
